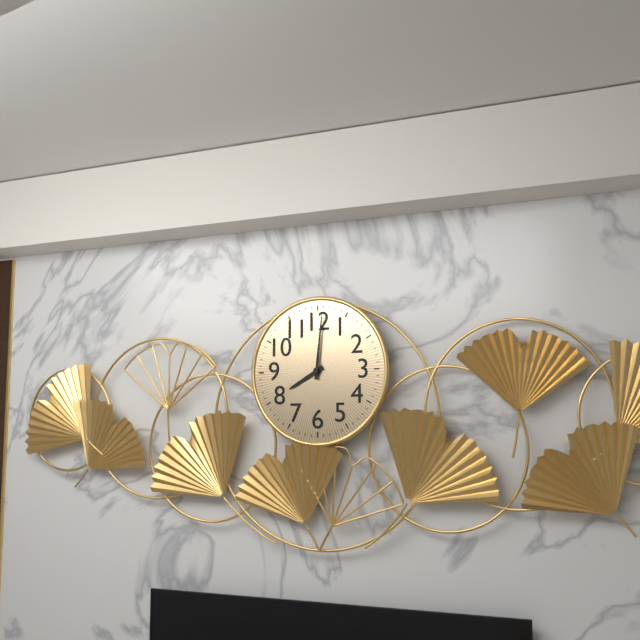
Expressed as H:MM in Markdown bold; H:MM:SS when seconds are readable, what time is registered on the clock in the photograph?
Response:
**8:01**
